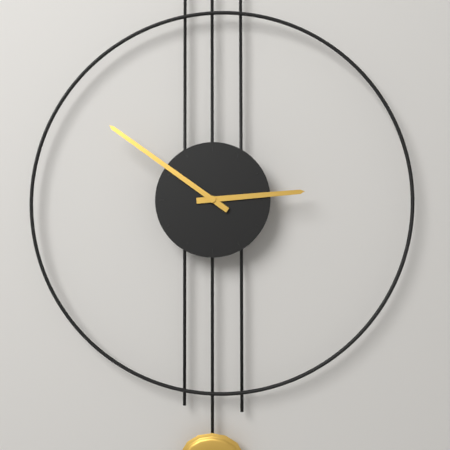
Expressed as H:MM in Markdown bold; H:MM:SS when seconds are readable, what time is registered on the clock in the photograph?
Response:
**2:51**
